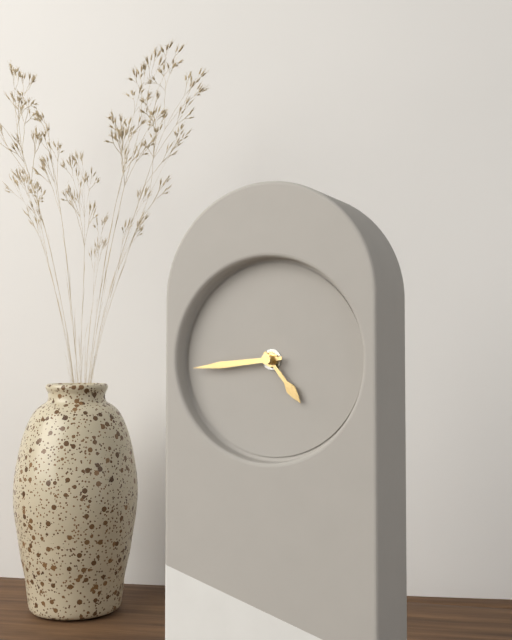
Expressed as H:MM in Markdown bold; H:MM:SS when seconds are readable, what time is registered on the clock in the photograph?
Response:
**4:44**
